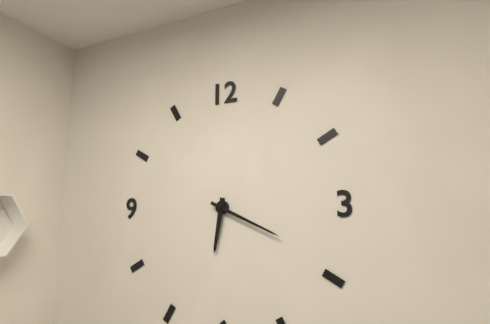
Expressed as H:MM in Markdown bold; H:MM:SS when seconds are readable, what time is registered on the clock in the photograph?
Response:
**6:19**
